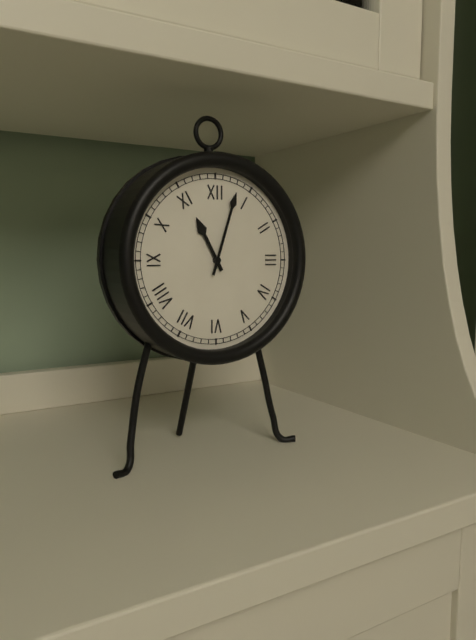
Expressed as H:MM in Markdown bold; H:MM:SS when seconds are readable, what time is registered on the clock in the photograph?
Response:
**11:03**
